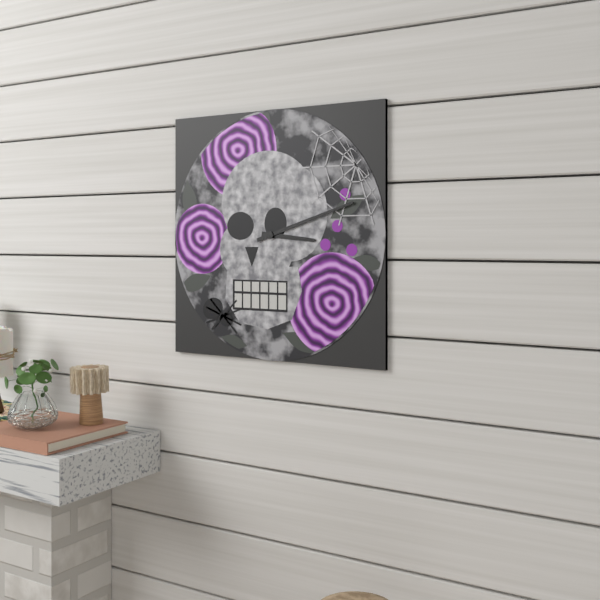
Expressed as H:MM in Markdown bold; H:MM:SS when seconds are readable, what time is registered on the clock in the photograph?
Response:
**3:12**
